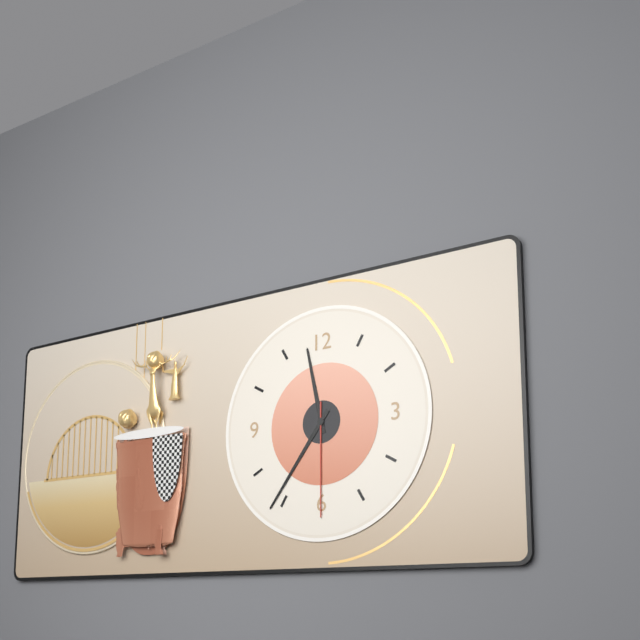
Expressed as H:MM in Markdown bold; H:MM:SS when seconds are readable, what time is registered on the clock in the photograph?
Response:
**11:36:30**
